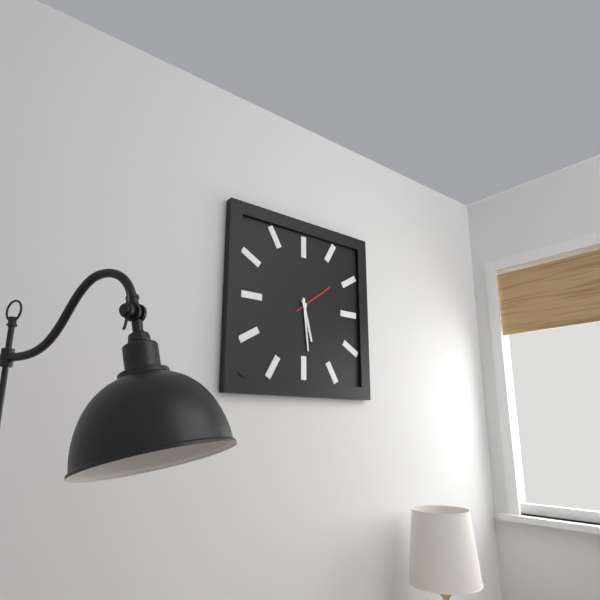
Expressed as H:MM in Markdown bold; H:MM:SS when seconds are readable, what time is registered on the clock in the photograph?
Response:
**5:29**
